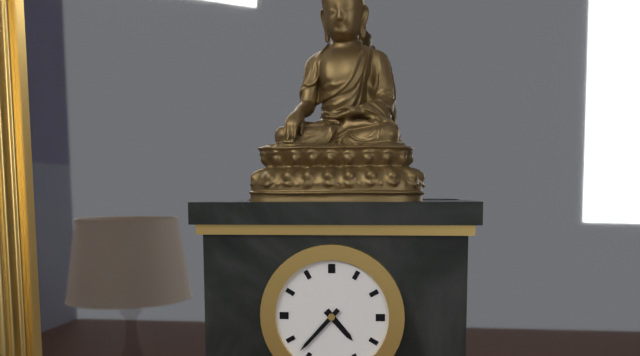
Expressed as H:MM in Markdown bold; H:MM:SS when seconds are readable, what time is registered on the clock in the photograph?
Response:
**4:37**
